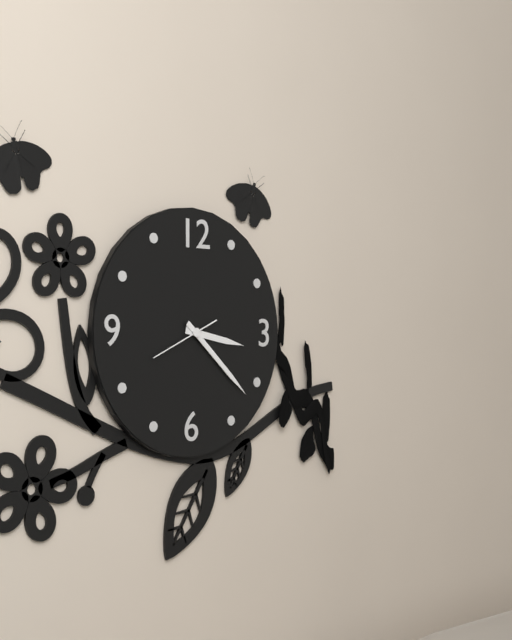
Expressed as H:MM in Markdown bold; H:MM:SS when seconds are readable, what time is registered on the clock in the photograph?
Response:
**3:22:41**
